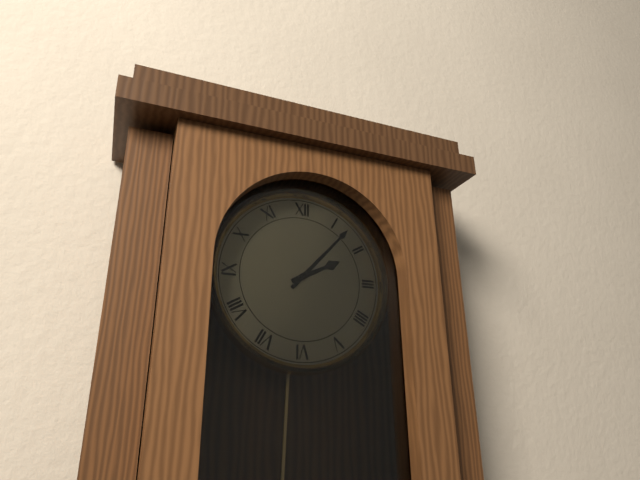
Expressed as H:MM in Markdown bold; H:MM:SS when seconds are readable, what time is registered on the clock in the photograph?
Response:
**2:07**
